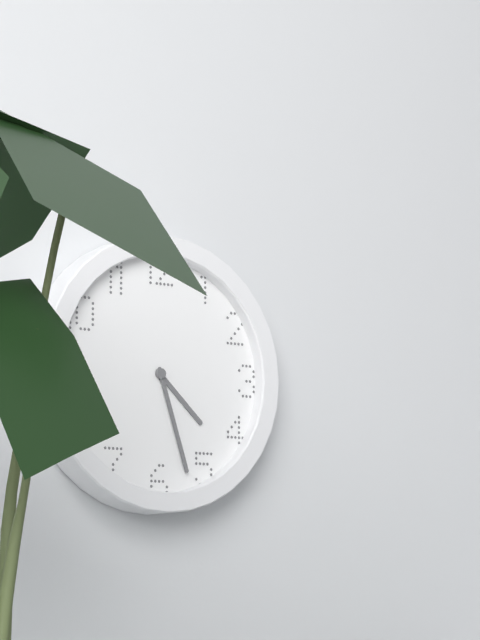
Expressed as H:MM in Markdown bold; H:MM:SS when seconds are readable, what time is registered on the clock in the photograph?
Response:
**4:27**
